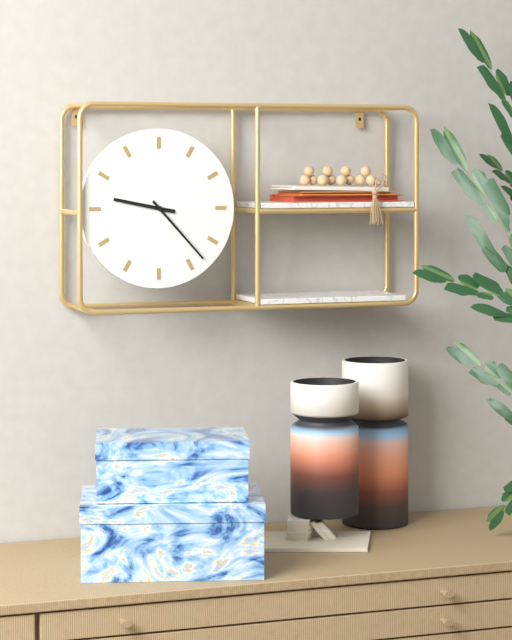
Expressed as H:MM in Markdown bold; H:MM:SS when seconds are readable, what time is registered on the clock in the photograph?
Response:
**9:23**
